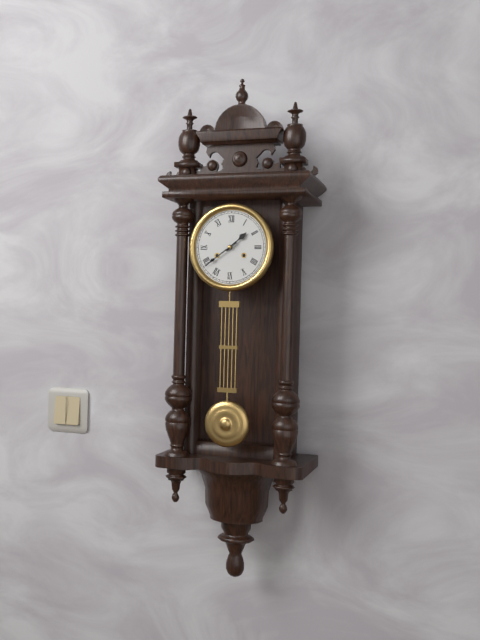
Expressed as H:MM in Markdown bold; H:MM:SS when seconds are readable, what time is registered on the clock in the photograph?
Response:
**1:39**
